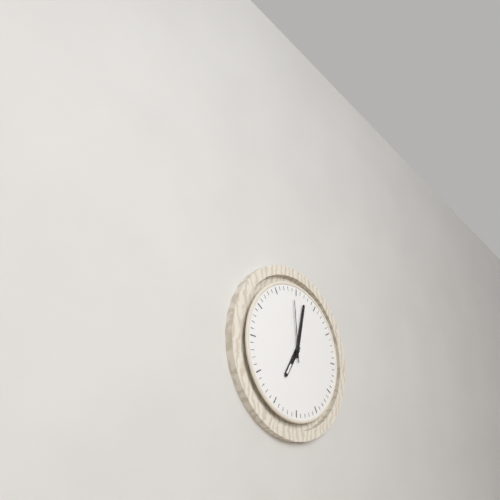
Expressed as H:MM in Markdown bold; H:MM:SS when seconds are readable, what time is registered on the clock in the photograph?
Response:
**7:02:59**
